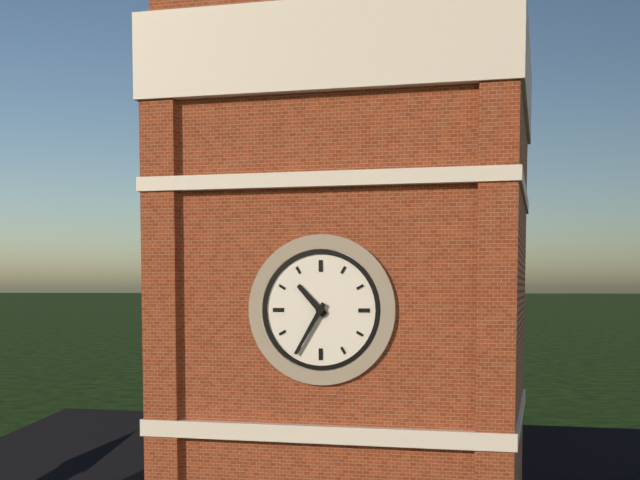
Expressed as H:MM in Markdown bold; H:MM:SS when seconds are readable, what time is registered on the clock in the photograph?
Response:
**10:35**
